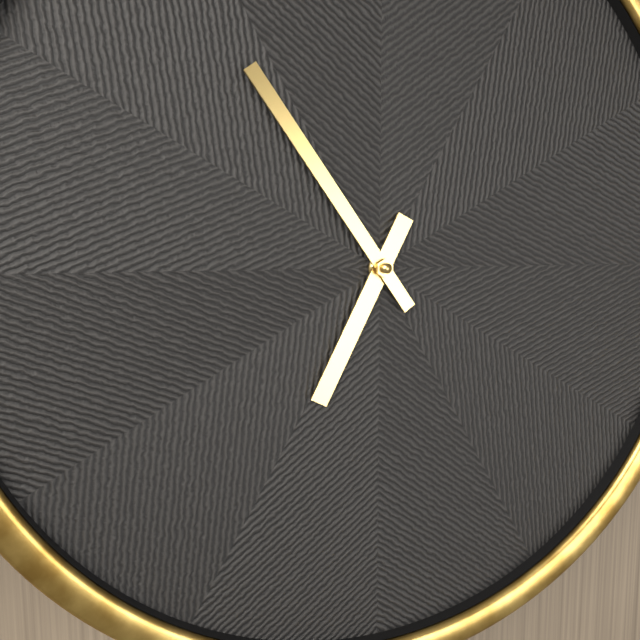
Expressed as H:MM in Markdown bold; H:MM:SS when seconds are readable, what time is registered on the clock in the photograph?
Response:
**6:54**
